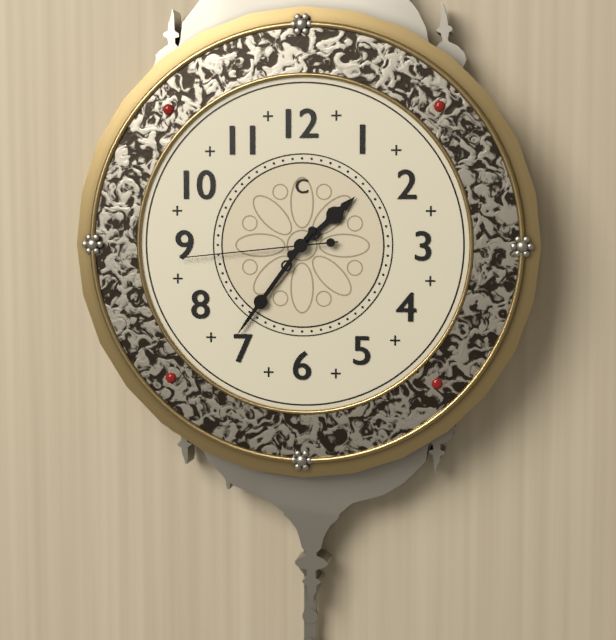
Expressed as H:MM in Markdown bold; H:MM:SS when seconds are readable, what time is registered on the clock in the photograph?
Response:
**1:36:44**
